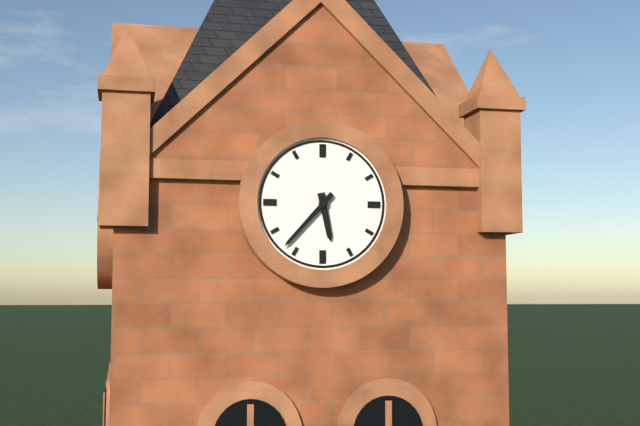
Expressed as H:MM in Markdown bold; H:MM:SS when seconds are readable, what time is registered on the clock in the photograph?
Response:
**5:37**
